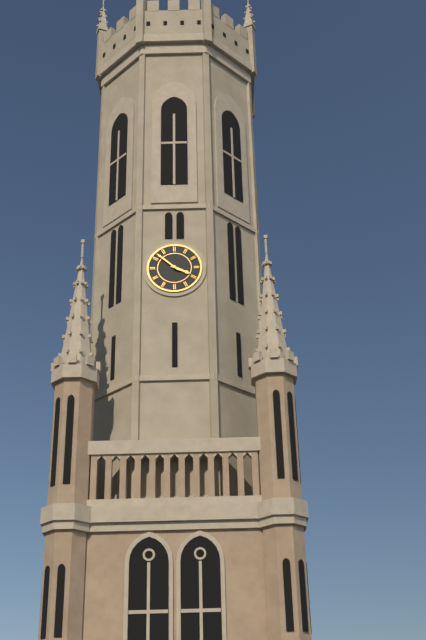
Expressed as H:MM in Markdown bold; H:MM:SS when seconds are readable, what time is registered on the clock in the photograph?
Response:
**3:52**
